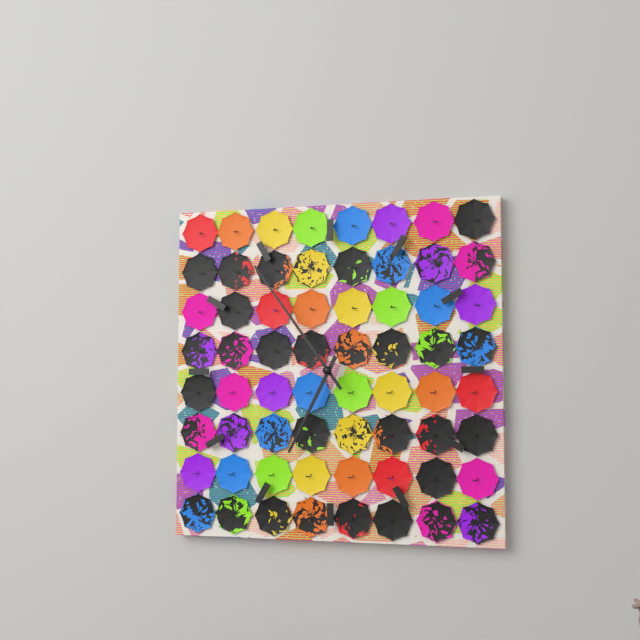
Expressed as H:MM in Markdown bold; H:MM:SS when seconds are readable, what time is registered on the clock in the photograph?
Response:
**6:54**
